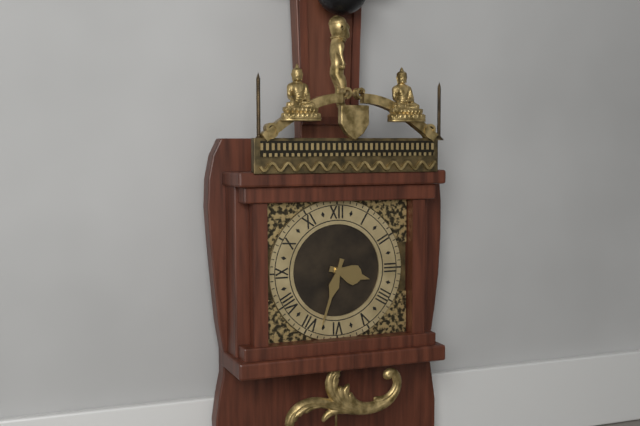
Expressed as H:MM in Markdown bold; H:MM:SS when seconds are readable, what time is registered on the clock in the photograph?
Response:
**3:33**
